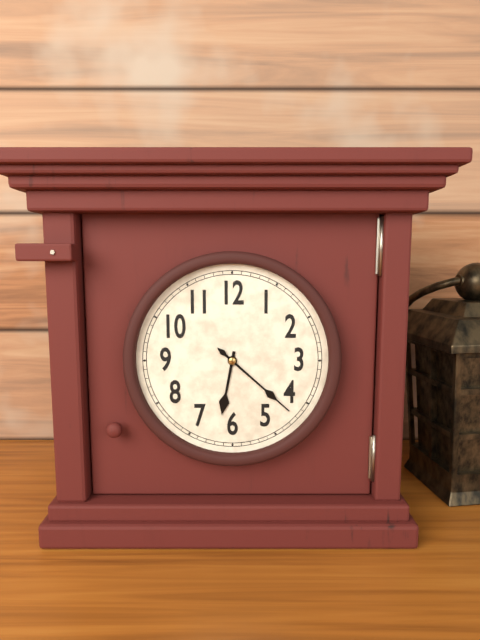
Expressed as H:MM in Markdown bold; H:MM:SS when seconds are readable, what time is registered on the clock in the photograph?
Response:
**6:22**
